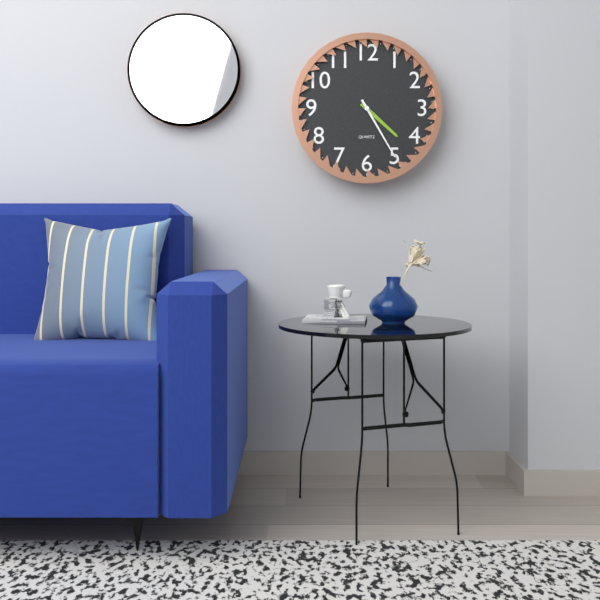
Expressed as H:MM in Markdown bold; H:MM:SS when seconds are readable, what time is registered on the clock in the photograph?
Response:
**4:25**
